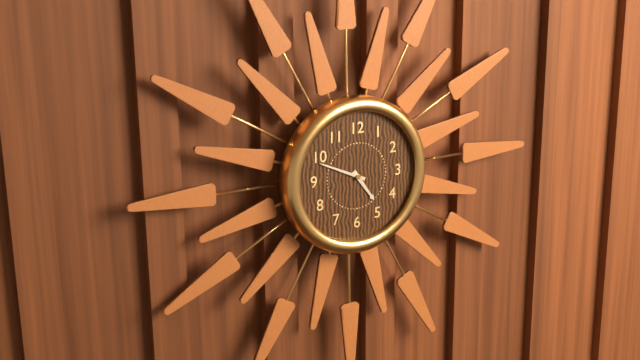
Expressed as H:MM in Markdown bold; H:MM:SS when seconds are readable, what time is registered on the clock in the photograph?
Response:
**4:49**
